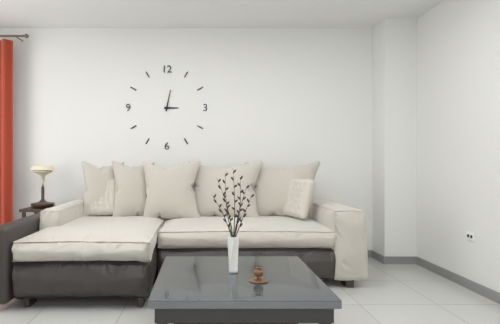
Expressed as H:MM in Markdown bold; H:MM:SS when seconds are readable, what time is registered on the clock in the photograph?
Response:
**3:02**
